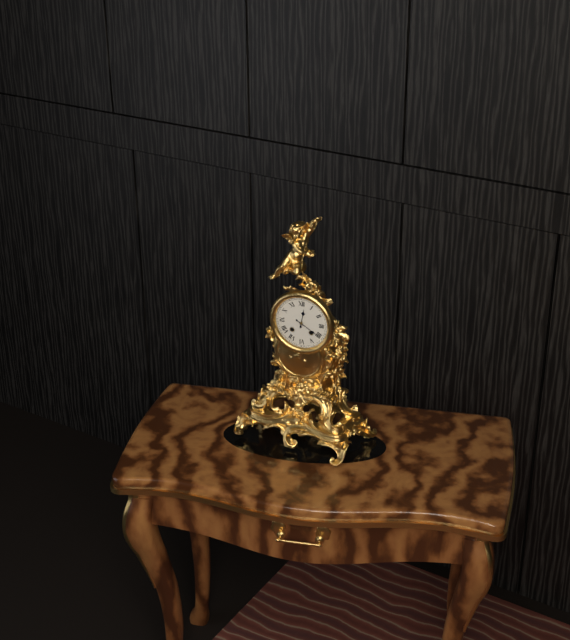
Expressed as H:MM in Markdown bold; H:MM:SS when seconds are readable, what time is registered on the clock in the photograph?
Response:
**12:20**
